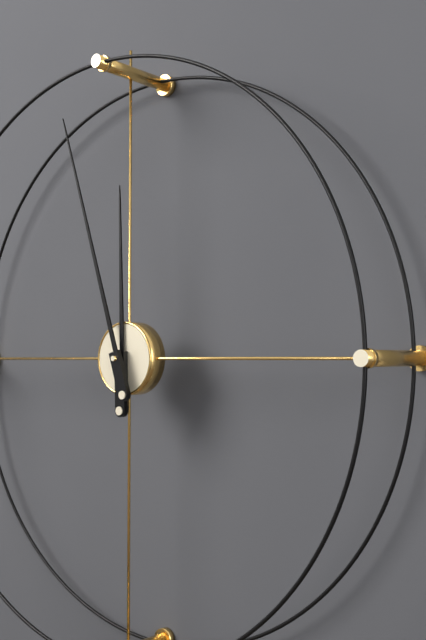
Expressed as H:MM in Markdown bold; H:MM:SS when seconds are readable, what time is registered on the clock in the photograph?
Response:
**11:57**
